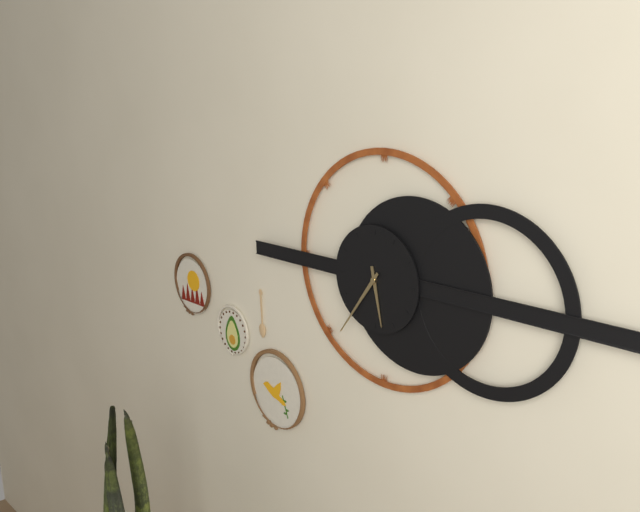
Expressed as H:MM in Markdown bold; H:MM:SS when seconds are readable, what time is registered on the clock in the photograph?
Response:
**5:36**
